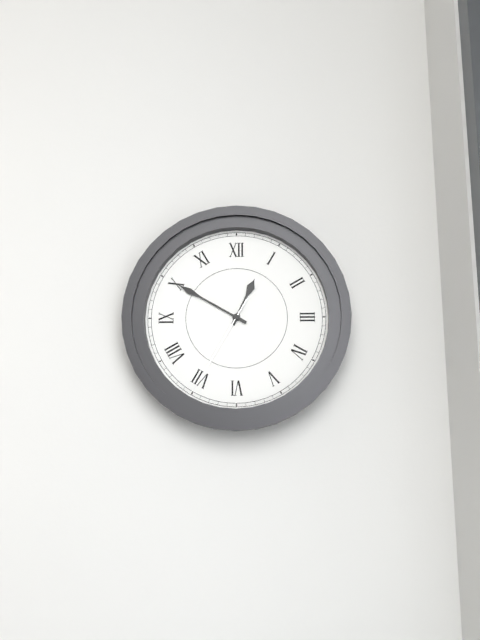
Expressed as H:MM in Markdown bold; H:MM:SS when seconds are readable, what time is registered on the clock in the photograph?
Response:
**12:50:35**
